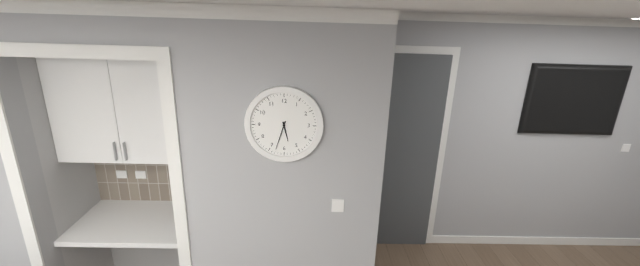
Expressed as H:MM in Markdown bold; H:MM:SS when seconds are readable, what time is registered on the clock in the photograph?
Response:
**5:33**
